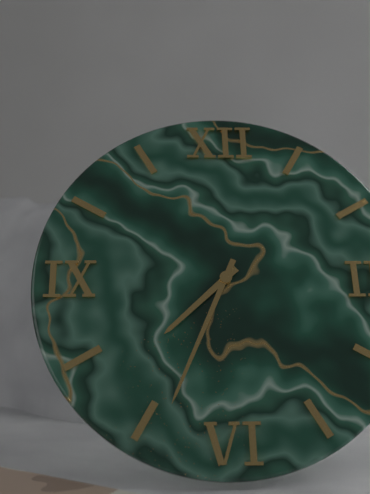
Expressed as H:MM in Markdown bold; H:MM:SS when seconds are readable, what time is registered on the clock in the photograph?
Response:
**7:34**
